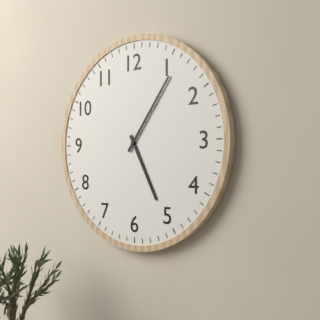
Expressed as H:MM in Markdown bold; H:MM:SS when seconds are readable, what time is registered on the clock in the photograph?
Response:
**5:06**
